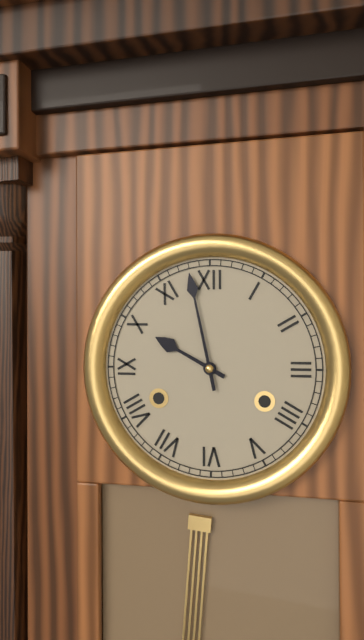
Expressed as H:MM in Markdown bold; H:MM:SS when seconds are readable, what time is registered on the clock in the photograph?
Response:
**9:58**
